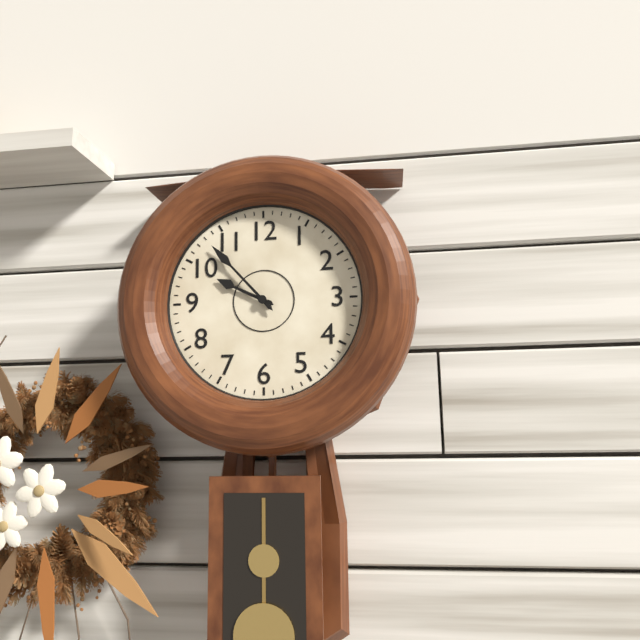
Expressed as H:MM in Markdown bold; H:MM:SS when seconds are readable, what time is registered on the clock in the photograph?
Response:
**9:53**
